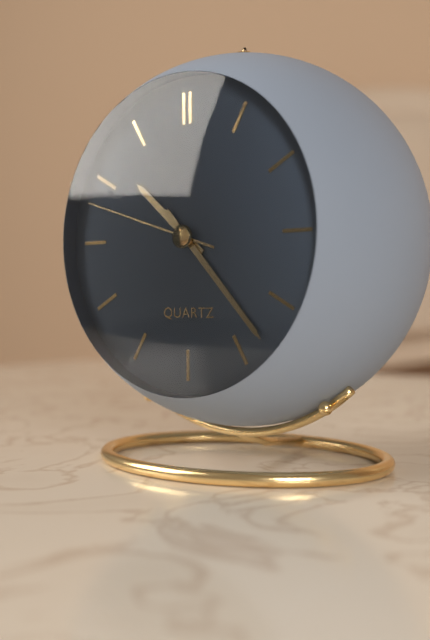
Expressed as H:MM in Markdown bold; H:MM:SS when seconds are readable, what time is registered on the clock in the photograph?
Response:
**10:23:48**
